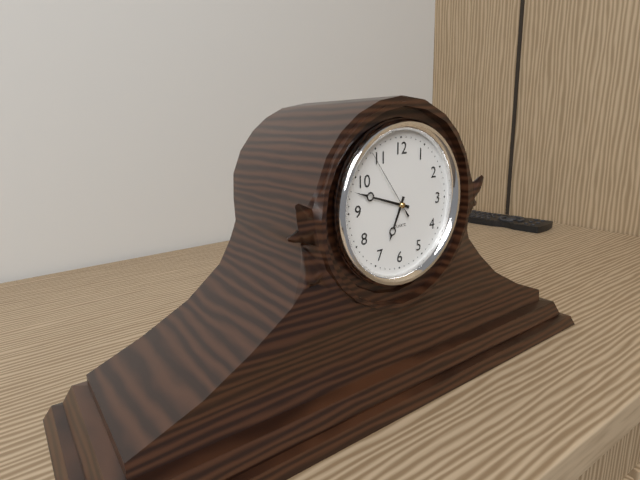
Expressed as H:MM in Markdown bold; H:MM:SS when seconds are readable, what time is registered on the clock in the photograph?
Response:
**6:48:54**
